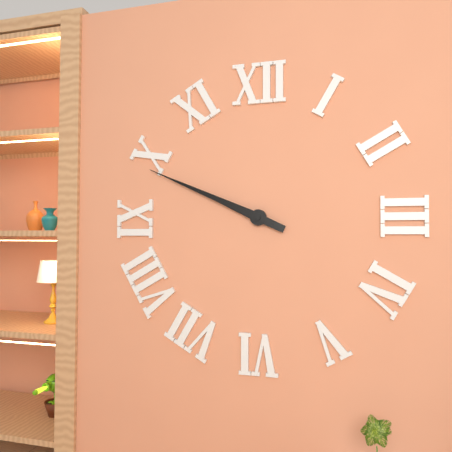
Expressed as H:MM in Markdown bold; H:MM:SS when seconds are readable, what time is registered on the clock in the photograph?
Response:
**9:49**
